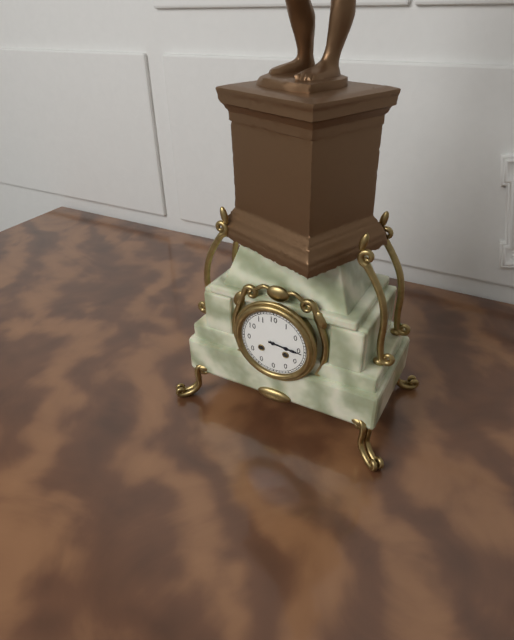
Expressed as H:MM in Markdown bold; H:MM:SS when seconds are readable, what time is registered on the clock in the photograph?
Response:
**3:16**
